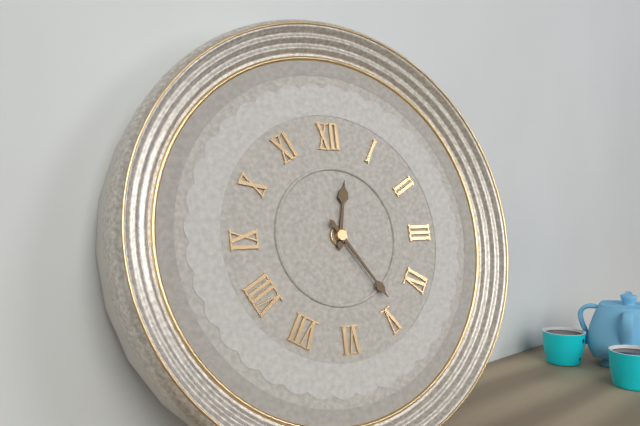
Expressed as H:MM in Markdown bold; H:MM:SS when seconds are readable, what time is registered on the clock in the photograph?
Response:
**12:24**
